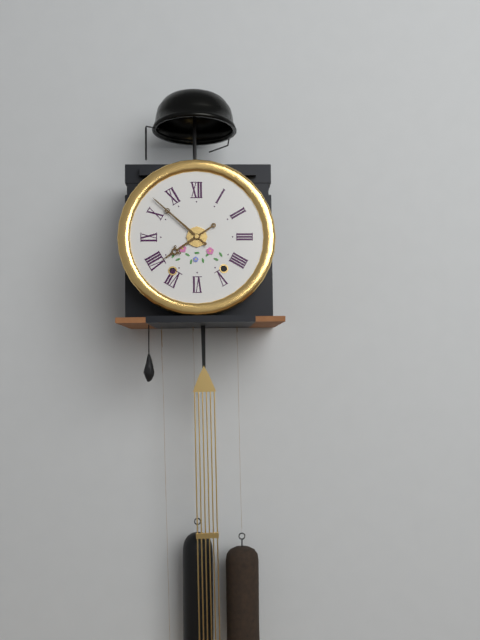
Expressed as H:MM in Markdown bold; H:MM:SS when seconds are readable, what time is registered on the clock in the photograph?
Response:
**7:52**
